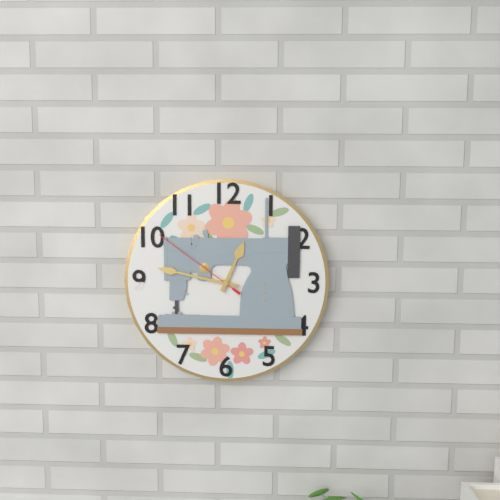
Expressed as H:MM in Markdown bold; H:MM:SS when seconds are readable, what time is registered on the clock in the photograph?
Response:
**12:47:51**
